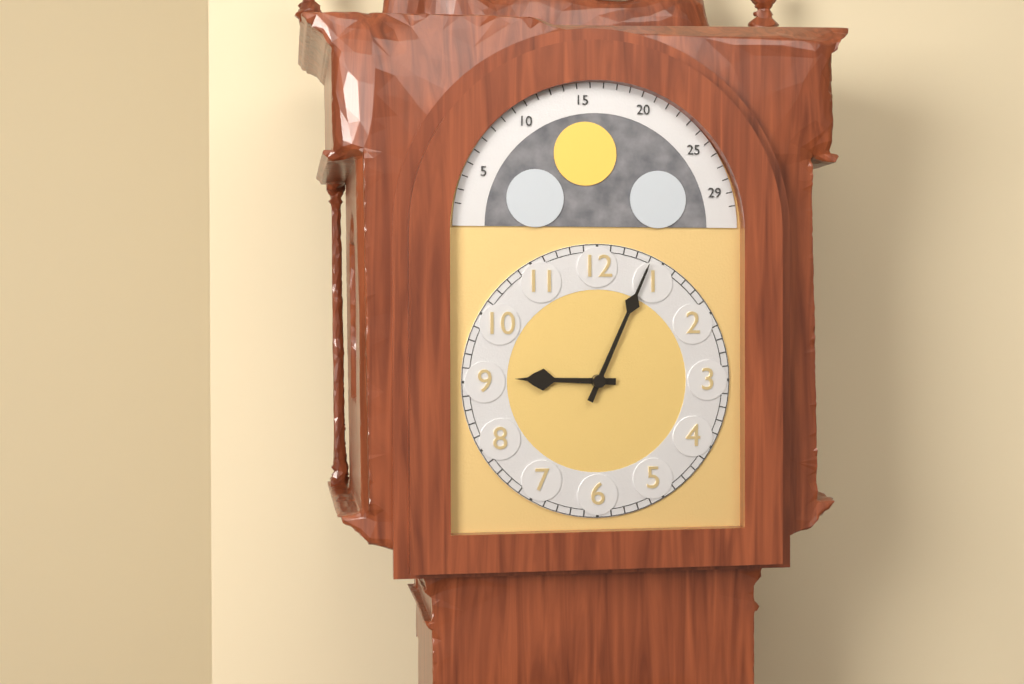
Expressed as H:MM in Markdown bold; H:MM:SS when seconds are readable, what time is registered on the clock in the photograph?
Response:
**9:04**
